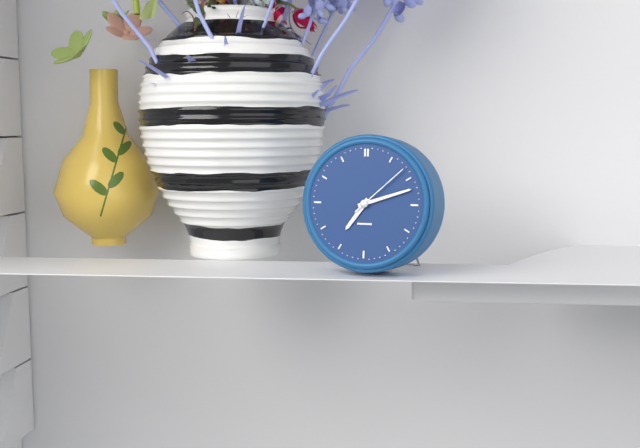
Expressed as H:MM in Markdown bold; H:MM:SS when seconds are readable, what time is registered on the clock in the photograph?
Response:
**7:12:08**
